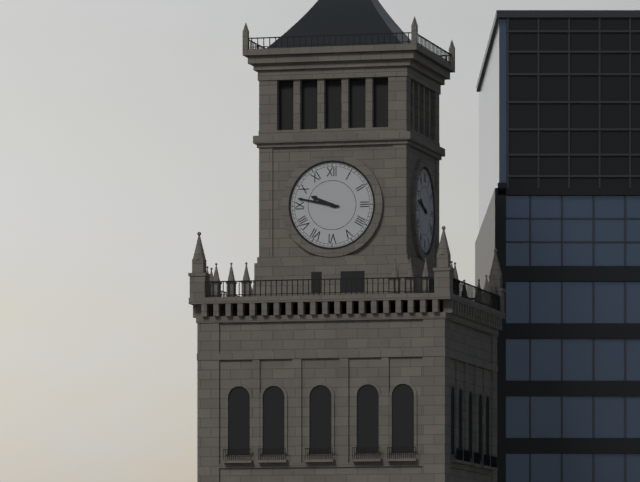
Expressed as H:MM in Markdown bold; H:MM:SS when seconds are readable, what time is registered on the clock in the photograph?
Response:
**9:47**
